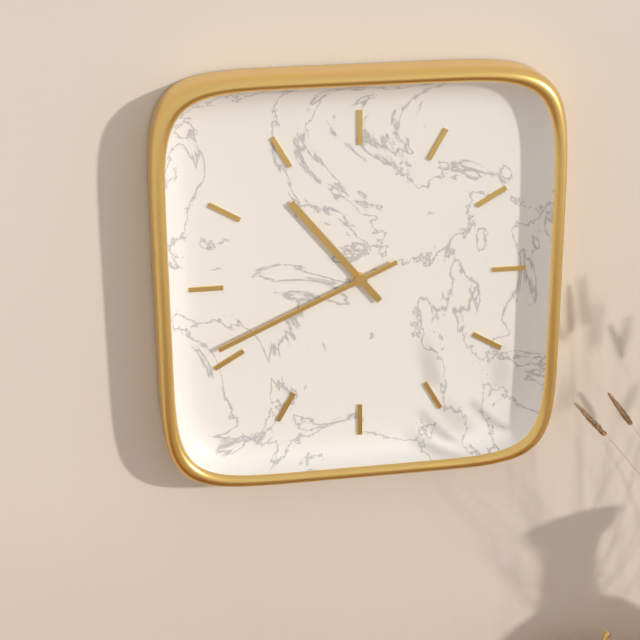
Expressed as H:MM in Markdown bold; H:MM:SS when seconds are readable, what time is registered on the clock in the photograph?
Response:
**10:41**
